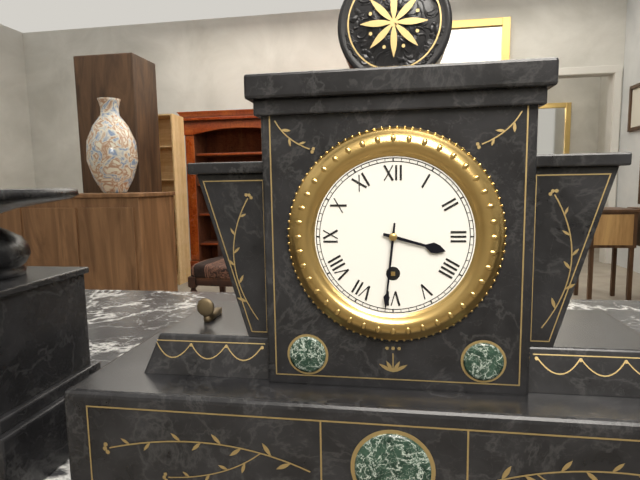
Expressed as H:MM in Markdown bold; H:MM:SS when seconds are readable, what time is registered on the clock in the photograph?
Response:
**3:31**
